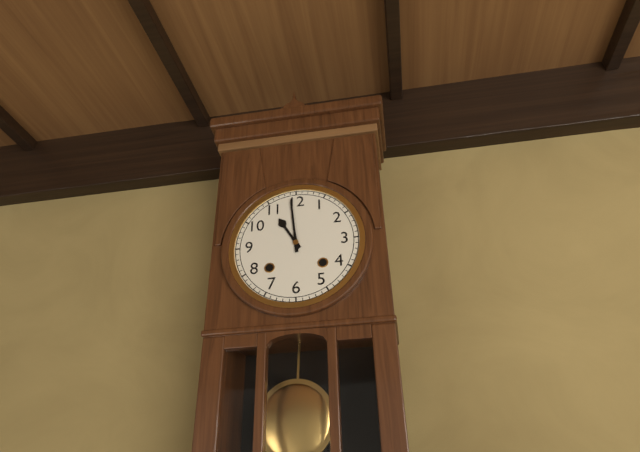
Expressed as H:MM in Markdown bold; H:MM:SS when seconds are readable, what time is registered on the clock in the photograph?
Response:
**10:59**
